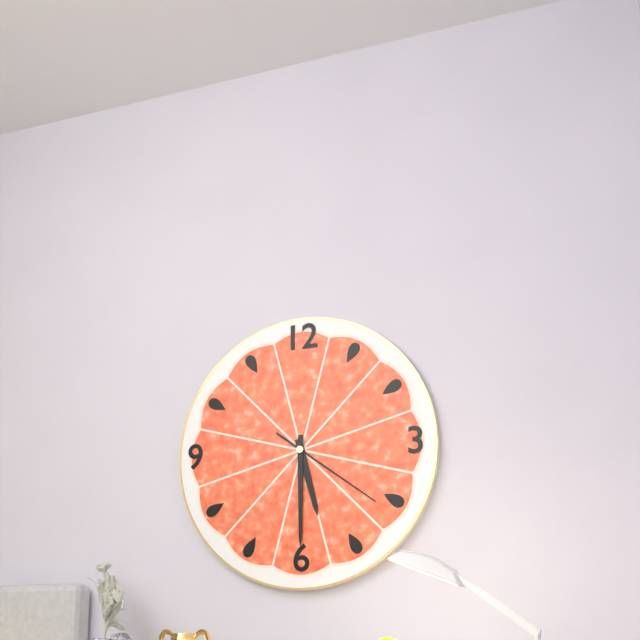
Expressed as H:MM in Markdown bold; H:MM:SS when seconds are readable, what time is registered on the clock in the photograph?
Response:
**5:30:21**
